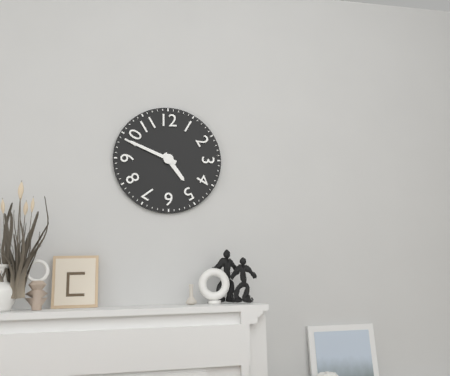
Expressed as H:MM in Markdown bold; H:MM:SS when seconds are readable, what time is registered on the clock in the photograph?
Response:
**4:49**
